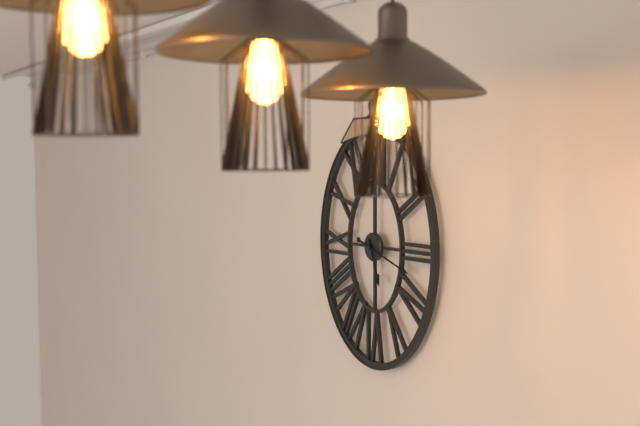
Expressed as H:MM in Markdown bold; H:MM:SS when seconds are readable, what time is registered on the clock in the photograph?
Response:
**5:18**
